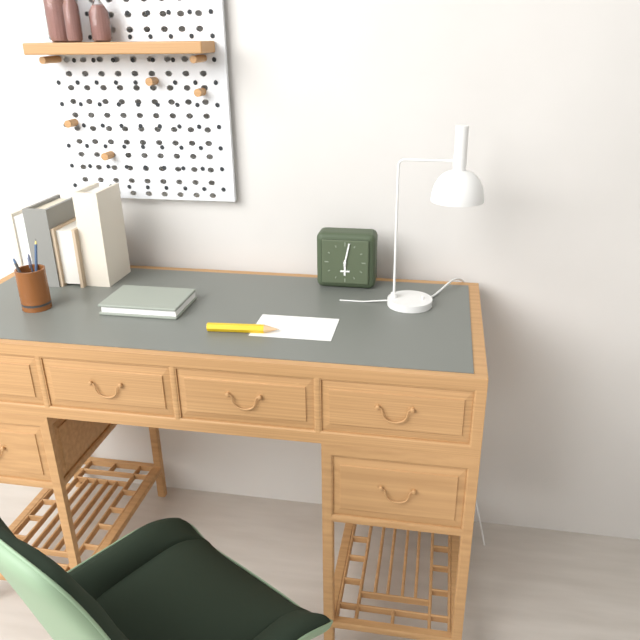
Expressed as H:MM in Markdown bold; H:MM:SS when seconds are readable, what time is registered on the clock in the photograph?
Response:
**6:02**
